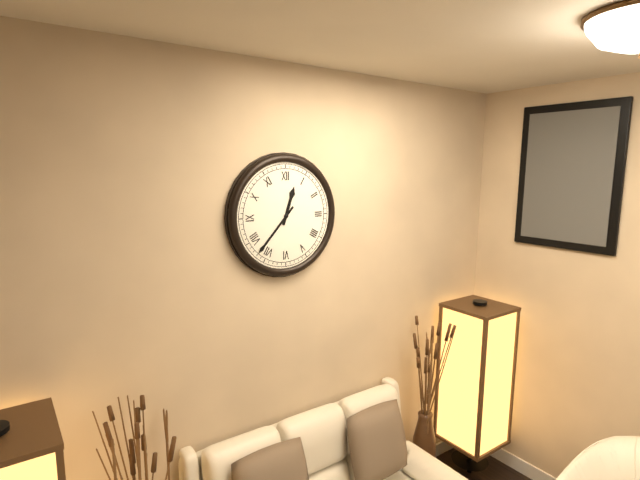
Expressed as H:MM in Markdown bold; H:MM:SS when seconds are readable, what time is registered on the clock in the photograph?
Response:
**12:37**
